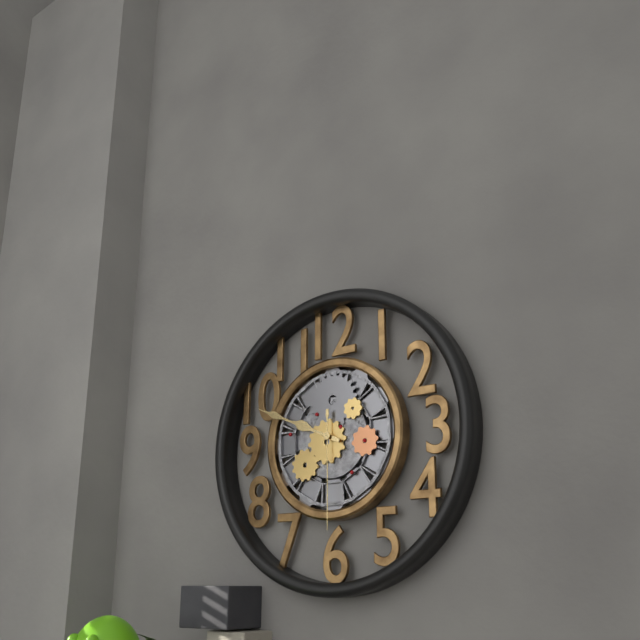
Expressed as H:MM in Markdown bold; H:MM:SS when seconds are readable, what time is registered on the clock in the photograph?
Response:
**9:49:30**
